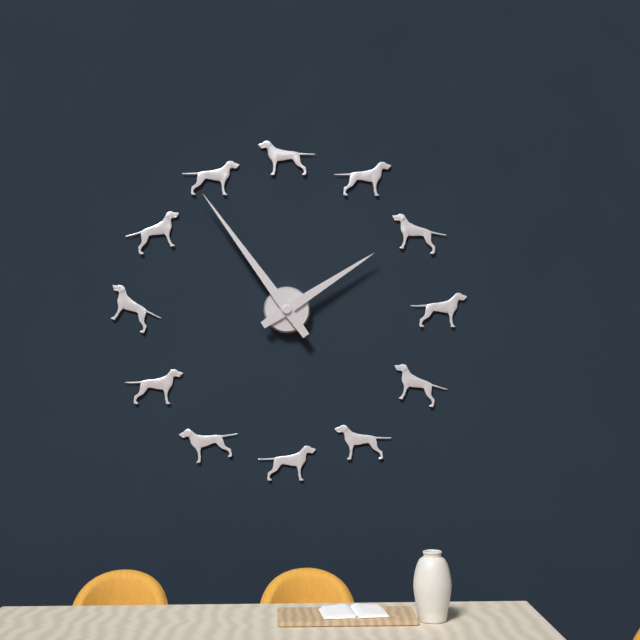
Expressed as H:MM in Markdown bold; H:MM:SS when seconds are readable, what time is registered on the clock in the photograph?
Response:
**1:54**
